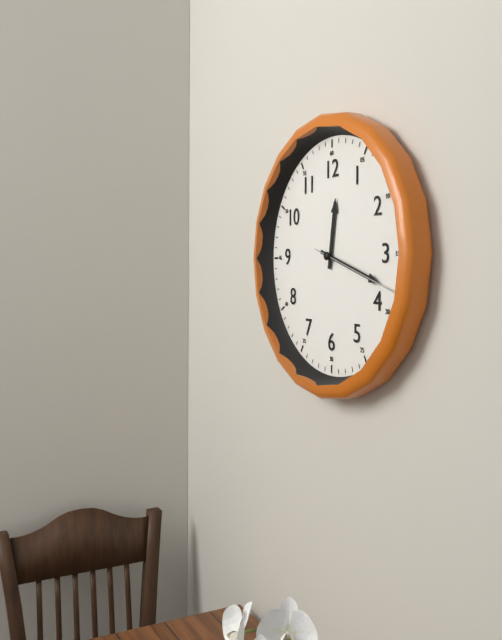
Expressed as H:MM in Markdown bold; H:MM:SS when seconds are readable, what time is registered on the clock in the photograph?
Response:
**12:18:18**
